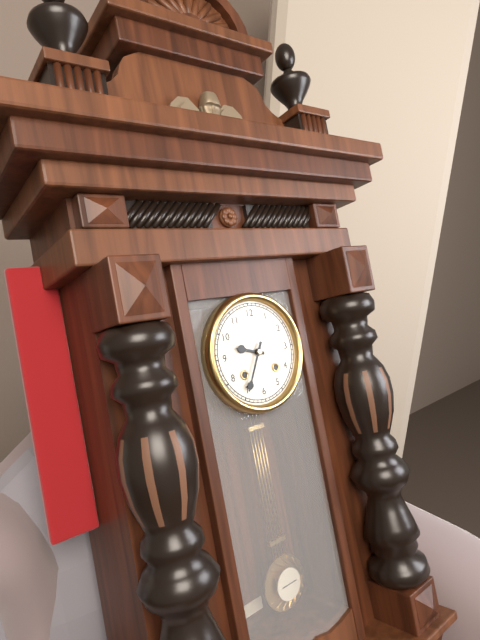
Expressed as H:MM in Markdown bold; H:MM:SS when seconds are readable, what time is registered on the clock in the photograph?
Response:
**9:35**
